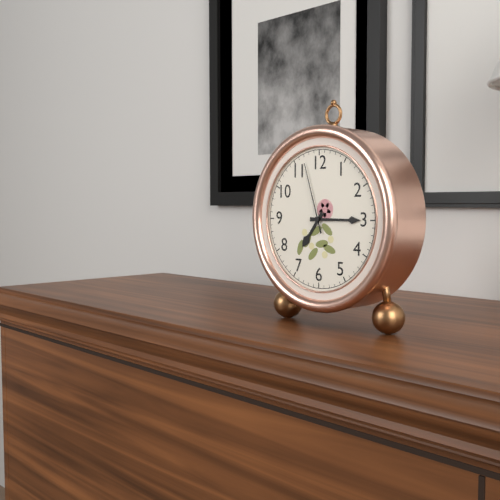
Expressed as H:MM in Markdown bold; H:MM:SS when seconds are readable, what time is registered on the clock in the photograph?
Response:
**7:15:57**
